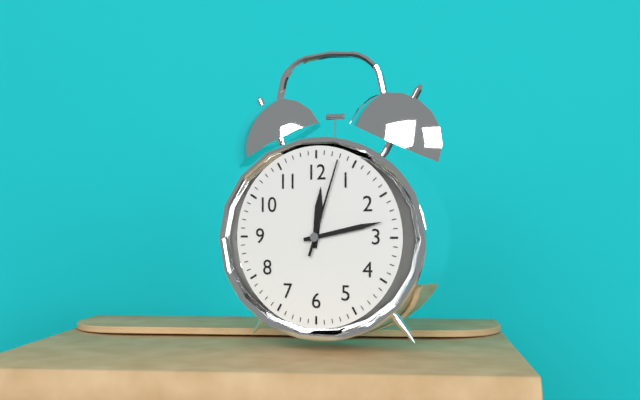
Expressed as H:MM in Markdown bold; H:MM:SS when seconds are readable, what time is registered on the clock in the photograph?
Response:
**12:13:03**
